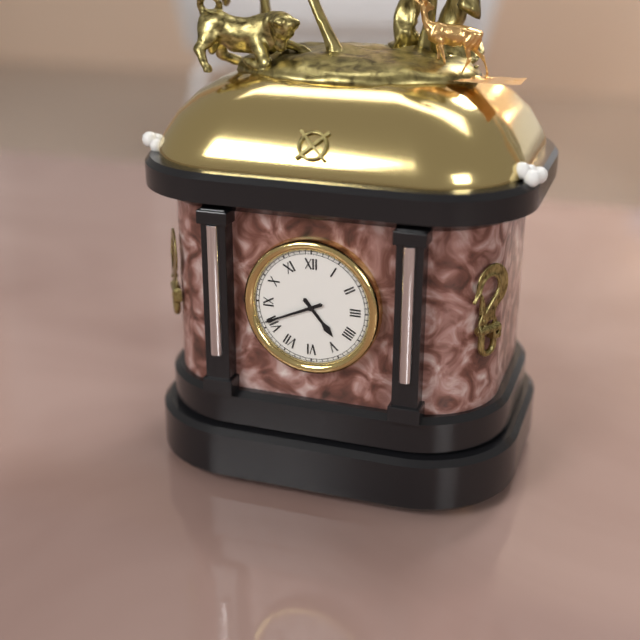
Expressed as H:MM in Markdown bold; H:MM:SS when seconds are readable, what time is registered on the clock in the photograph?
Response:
**4:41**
